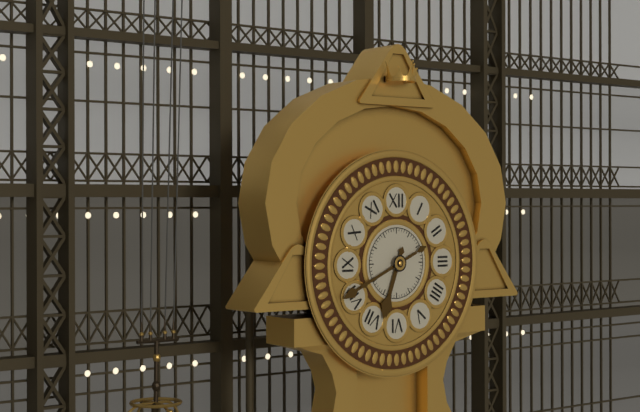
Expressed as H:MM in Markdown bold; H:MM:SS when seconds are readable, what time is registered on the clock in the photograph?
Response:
**6:41**
